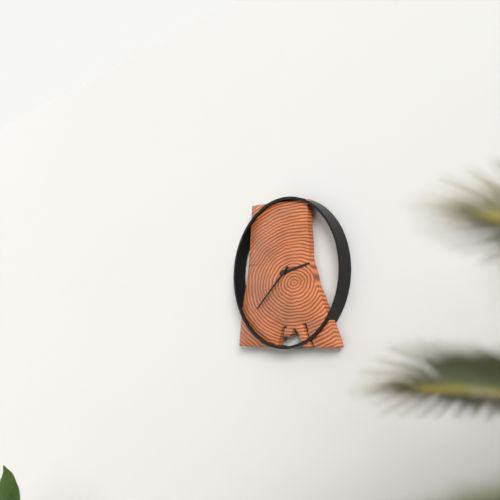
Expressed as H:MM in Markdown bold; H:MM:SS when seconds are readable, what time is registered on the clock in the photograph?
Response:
**2:38**
